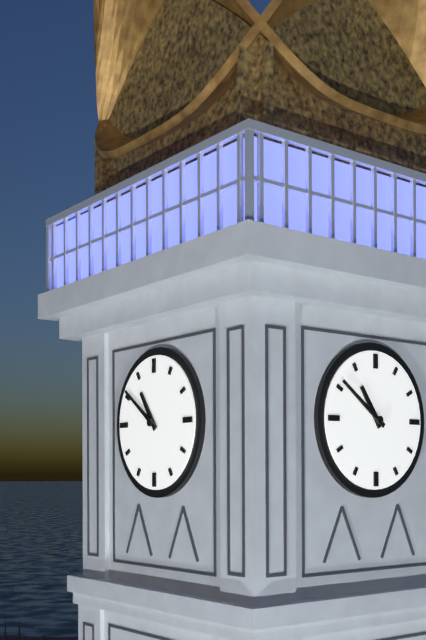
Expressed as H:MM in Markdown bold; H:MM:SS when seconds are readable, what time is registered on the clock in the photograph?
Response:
**10:51**
